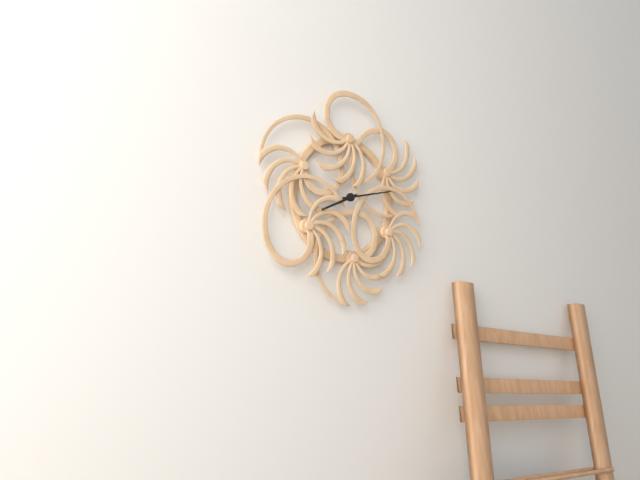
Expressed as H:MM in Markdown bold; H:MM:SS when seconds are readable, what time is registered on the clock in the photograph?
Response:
**8:13**
